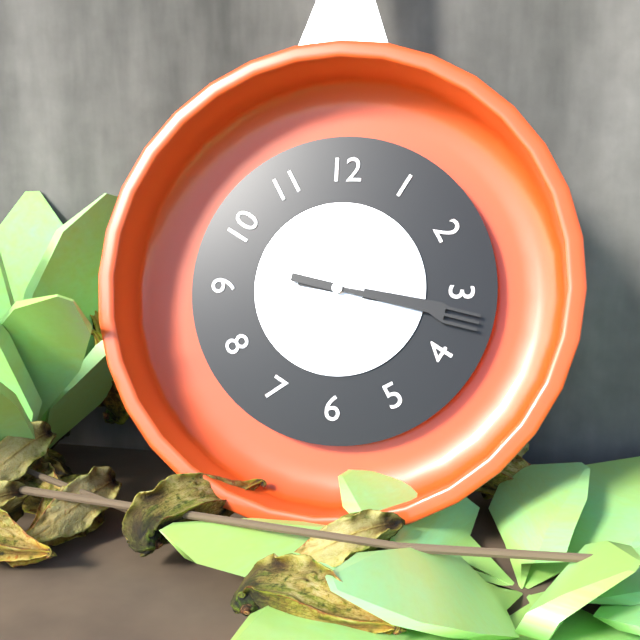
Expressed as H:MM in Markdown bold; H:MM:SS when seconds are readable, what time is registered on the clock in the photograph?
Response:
**3:17**
